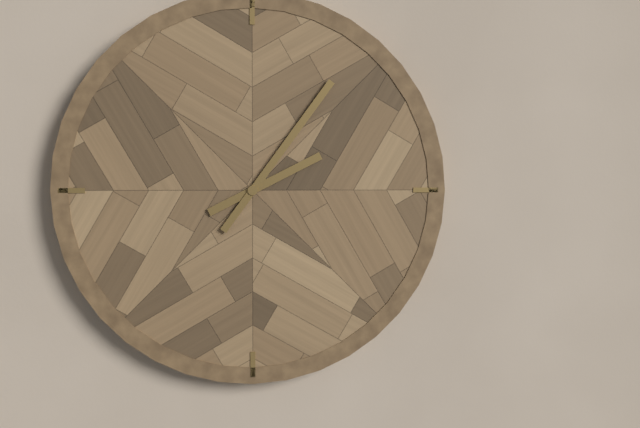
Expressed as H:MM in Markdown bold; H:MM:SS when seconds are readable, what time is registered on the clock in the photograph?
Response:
**2:06**
